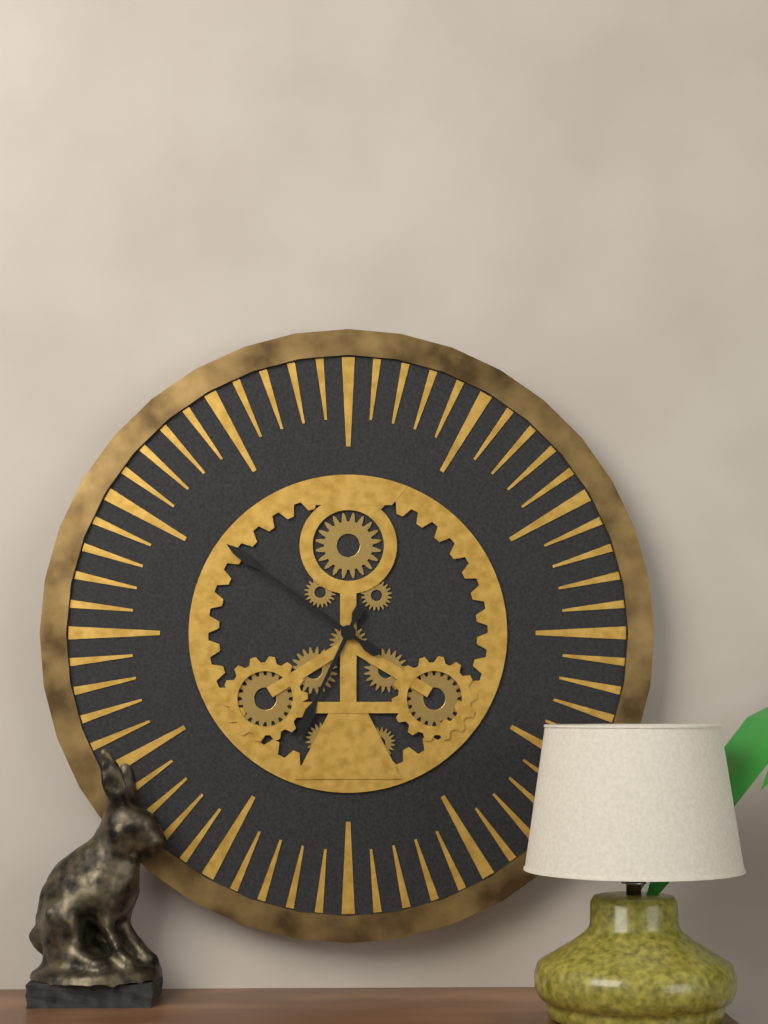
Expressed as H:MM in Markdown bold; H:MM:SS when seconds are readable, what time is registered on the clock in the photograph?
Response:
**6:51**
